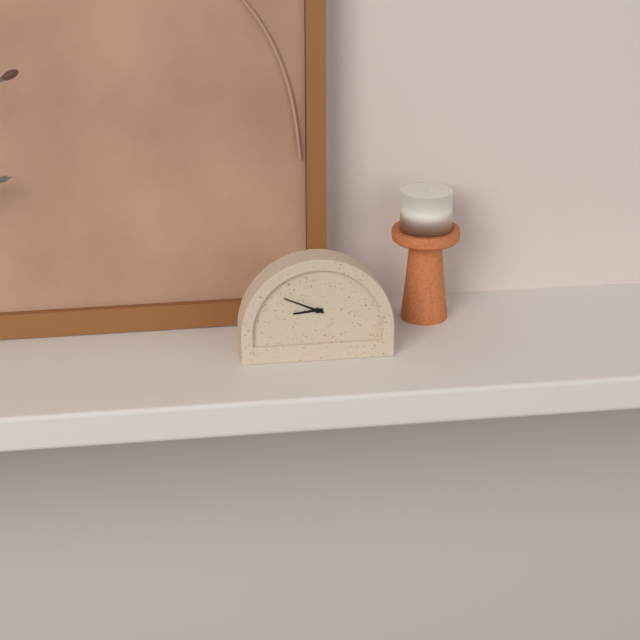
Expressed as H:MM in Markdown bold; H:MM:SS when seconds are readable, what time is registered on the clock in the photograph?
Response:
**8:49**
